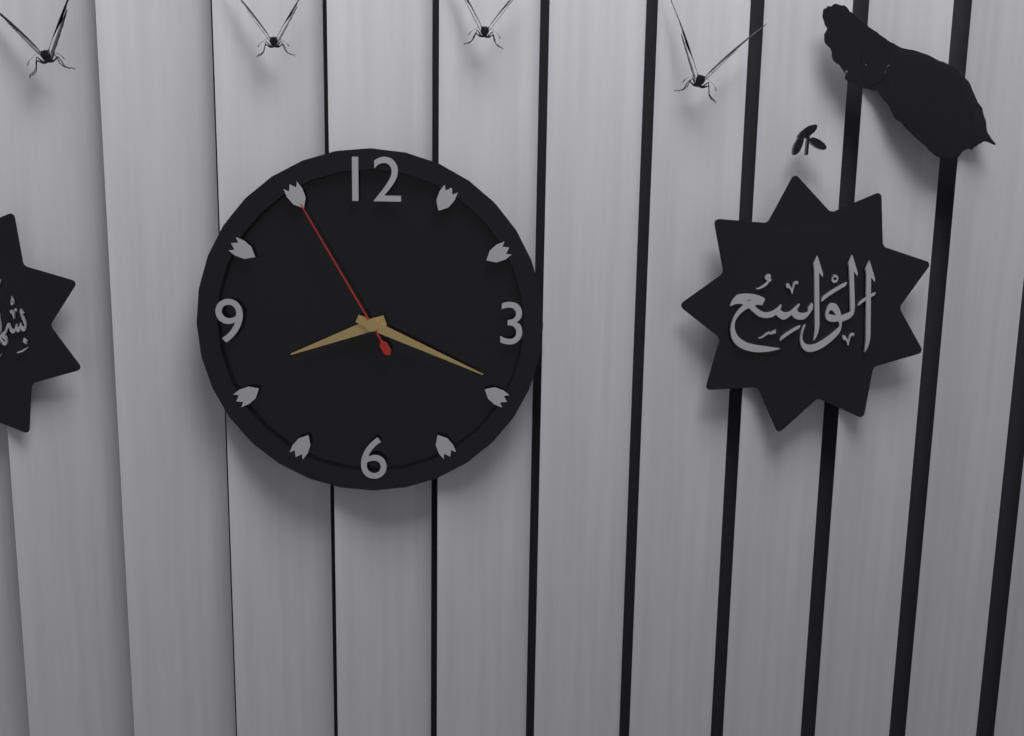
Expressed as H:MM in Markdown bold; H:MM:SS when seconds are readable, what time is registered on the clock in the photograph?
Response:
**8:19:55**
